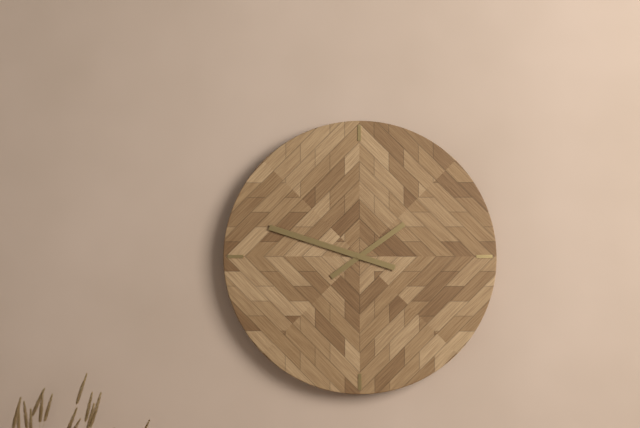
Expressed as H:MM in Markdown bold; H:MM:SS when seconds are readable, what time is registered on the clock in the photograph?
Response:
**1:48**
